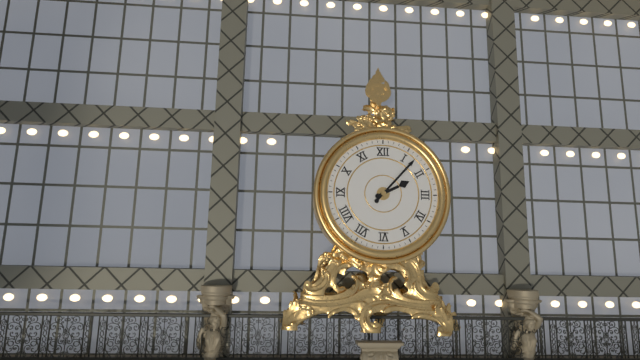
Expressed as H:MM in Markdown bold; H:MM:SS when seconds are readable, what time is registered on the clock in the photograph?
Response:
**2:07**
